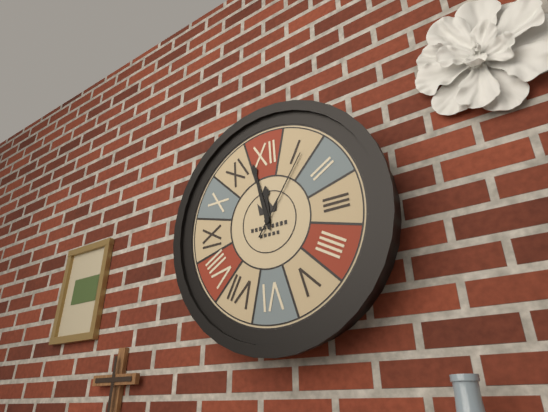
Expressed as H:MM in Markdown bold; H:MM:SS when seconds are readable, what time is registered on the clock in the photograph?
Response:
**11:58:06**
